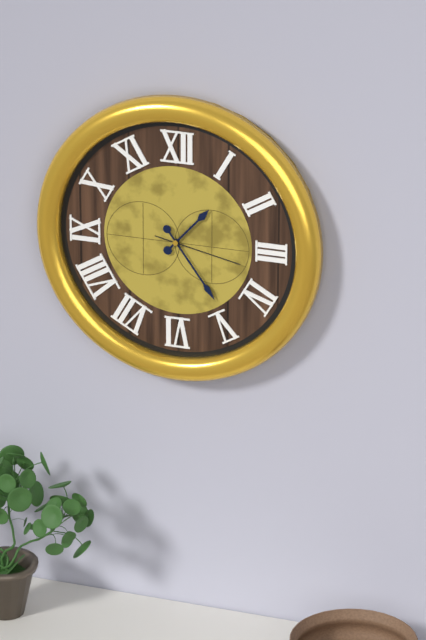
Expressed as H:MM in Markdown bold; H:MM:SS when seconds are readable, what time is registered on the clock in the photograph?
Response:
**1:24:17**
